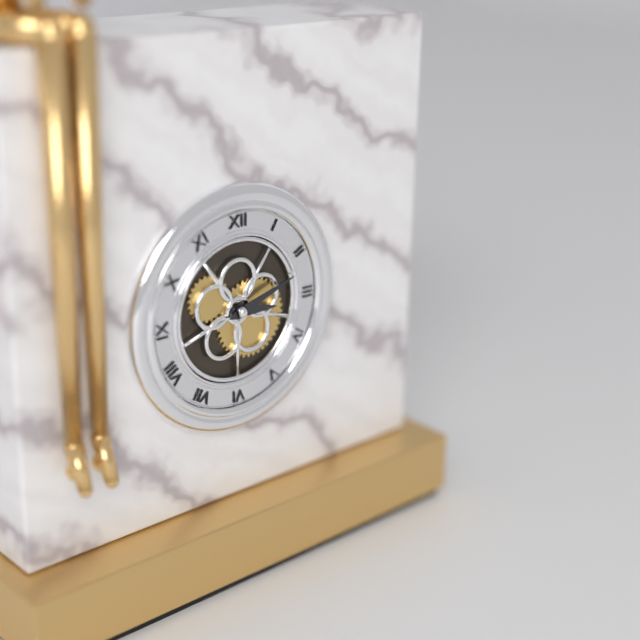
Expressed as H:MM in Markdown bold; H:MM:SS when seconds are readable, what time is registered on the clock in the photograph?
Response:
**3:12**
